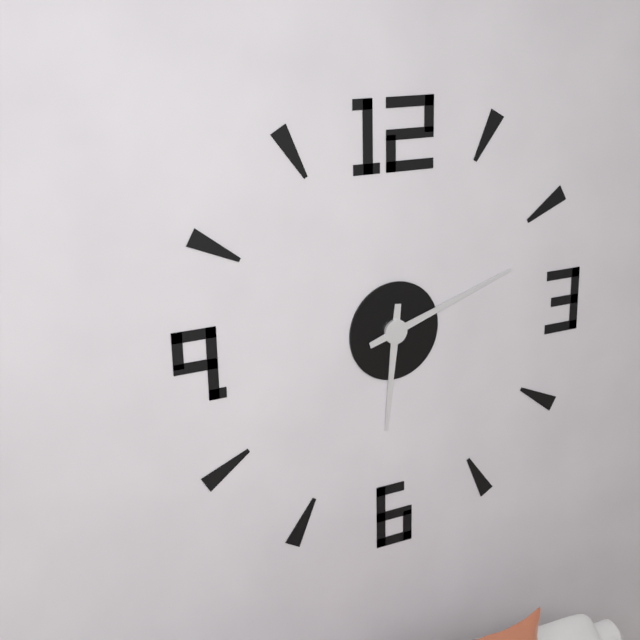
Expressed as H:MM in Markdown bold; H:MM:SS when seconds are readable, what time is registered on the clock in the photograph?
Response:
**6:12**
